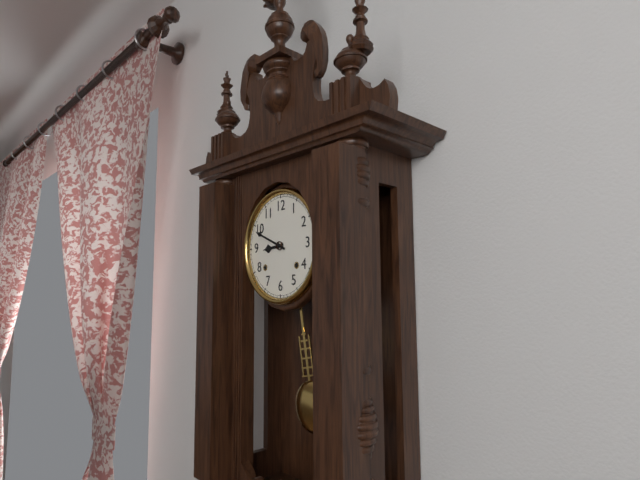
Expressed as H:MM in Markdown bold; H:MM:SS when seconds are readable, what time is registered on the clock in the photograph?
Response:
**8:49**
